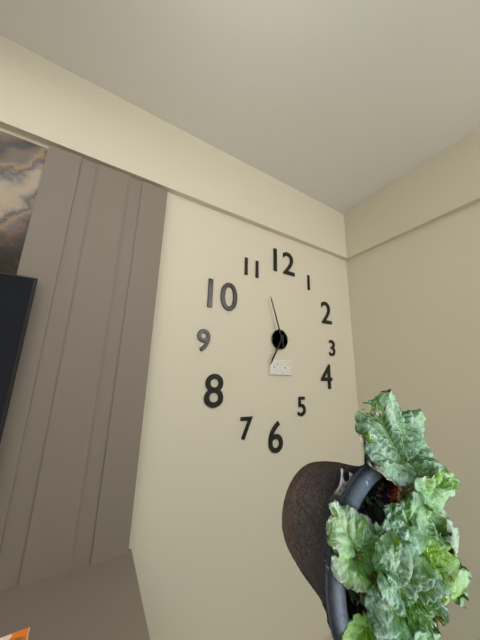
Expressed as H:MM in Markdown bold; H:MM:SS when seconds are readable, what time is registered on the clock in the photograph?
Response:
**6:57**
